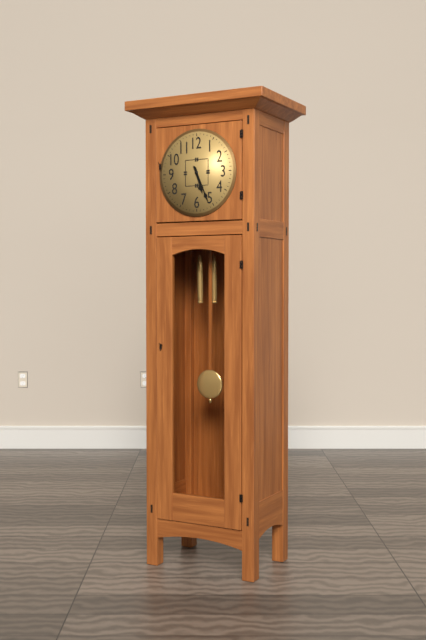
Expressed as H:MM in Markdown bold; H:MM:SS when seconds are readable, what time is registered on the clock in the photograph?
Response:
**5:26**
